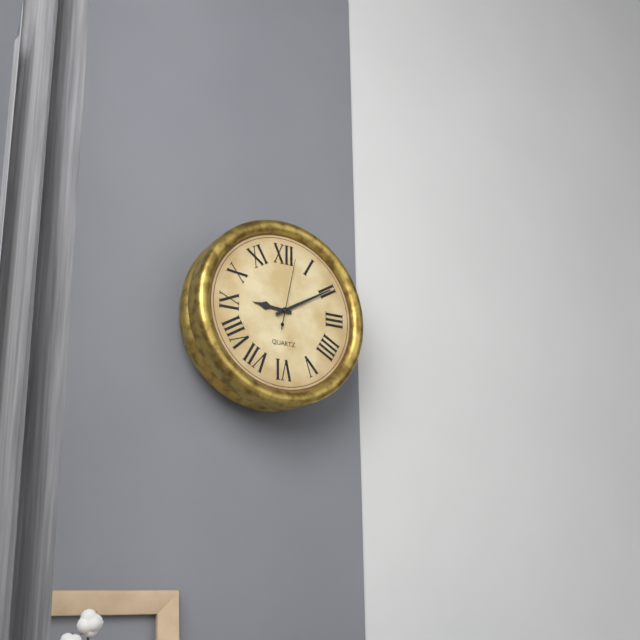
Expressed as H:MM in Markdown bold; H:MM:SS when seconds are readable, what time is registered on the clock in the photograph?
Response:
**9:10:02**
